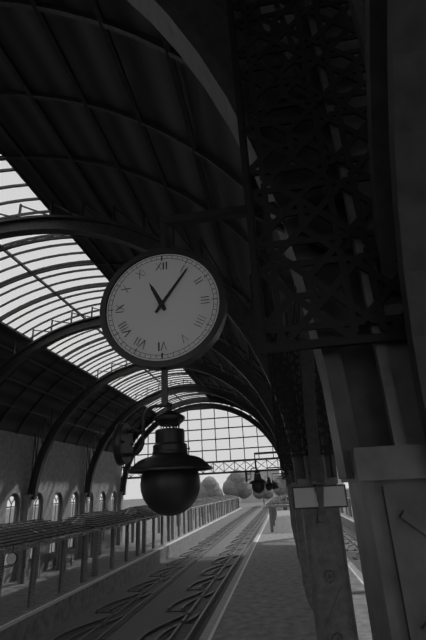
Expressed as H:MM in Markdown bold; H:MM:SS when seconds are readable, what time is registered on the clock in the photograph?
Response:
**11:06**
